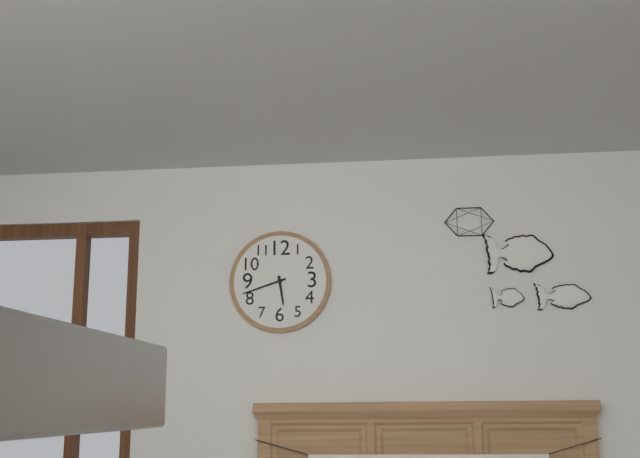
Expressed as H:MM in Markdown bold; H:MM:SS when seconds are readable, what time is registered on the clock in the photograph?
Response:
**5:42**
